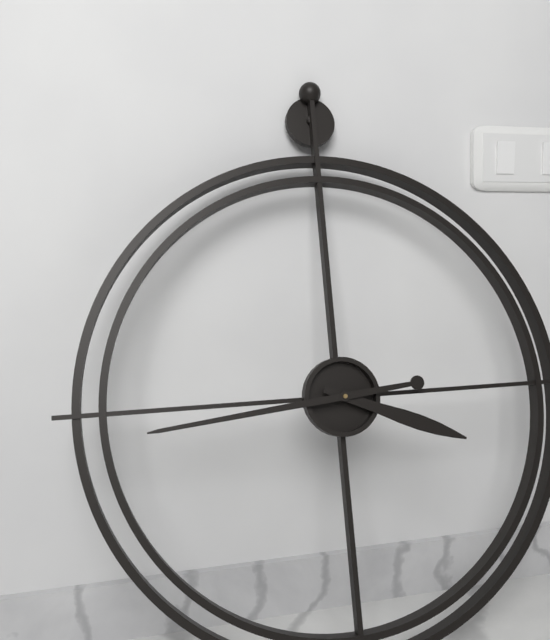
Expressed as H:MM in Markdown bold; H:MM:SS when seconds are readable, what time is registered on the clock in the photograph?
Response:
**3:44**
